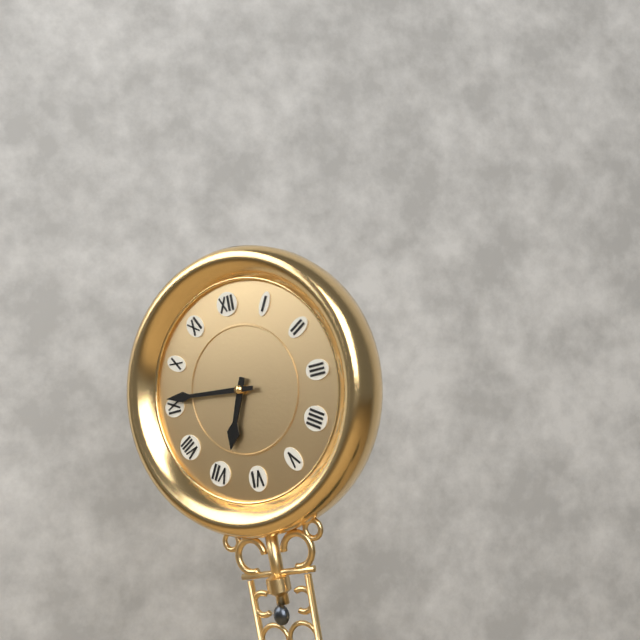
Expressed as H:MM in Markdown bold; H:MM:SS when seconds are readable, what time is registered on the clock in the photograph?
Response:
**6:46**
